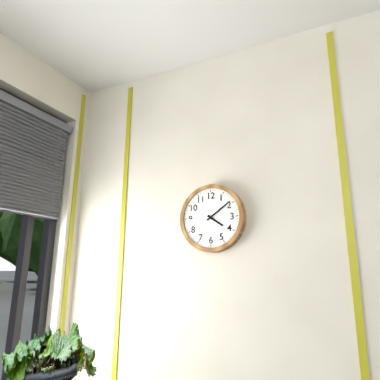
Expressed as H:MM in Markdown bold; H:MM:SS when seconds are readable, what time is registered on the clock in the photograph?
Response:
**4:09**
